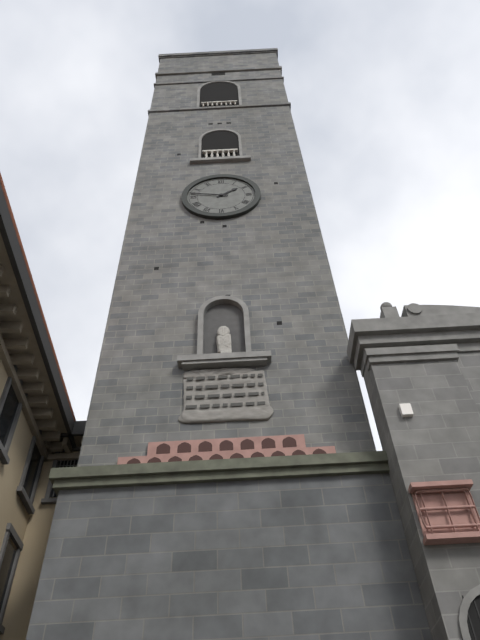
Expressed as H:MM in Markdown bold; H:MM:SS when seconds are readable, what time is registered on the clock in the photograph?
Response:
**1:47**
